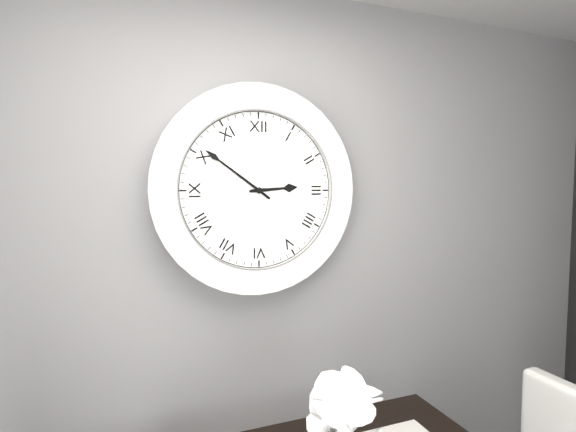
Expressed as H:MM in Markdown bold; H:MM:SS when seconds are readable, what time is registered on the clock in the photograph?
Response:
**2:51**
